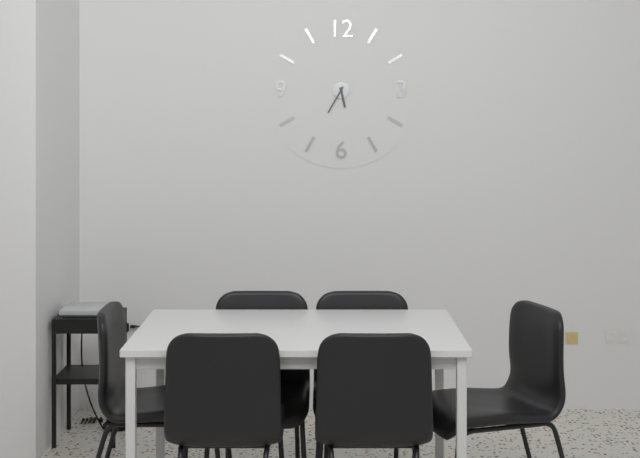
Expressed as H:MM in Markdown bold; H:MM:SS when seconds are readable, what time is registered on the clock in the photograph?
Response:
**5:35**
